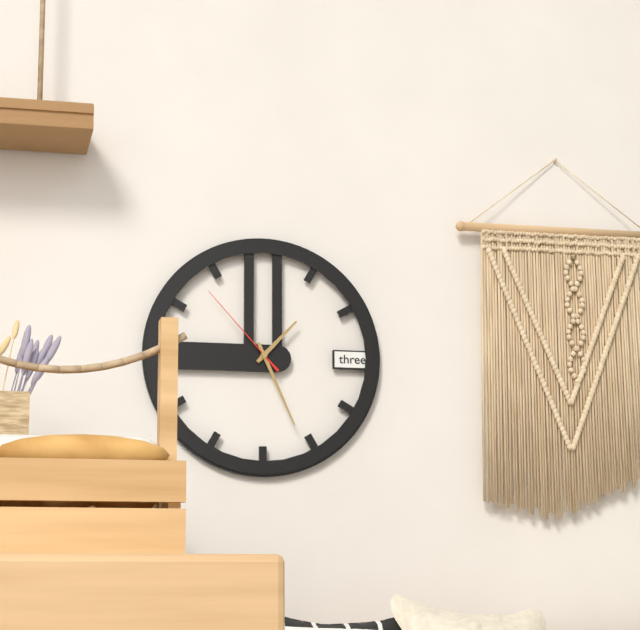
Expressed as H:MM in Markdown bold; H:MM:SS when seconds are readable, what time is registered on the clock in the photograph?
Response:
**1:26:53**
